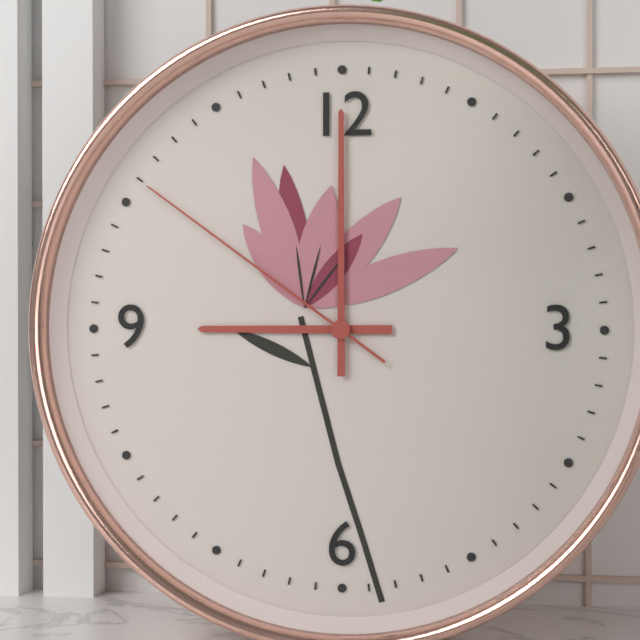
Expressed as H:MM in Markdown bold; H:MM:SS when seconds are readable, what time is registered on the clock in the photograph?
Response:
**9:00:51**
